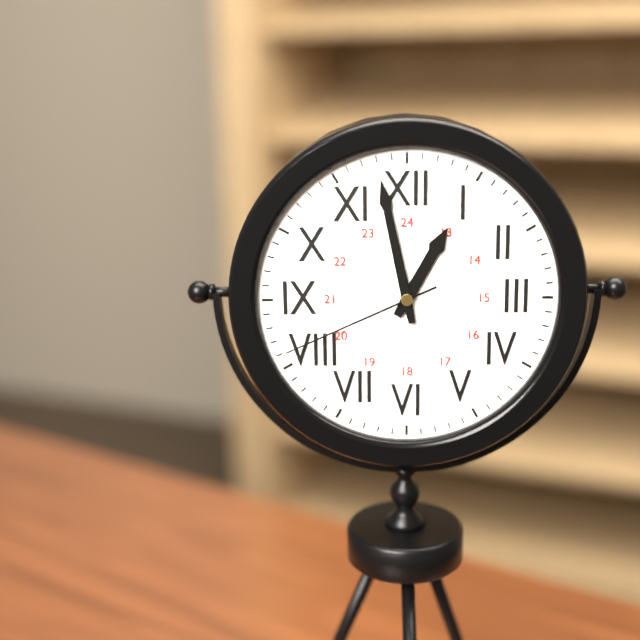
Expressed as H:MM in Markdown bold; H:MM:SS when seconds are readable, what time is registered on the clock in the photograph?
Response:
**12:58:41**
